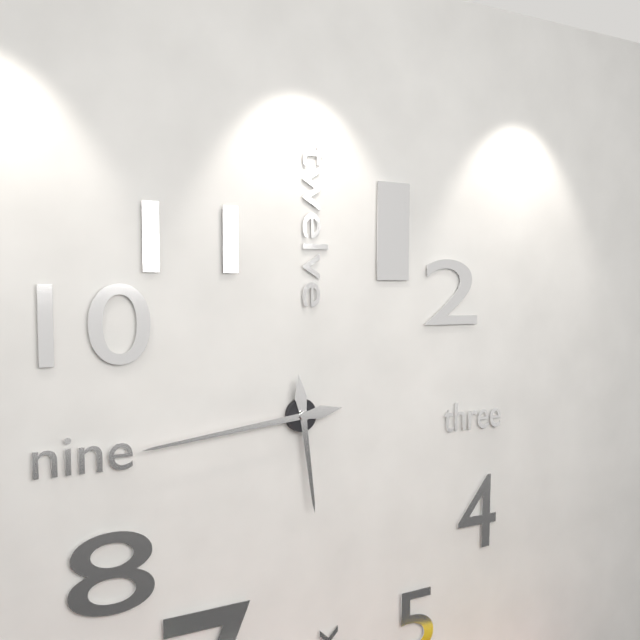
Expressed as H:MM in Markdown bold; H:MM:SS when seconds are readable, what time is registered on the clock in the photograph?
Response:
**5:44**
